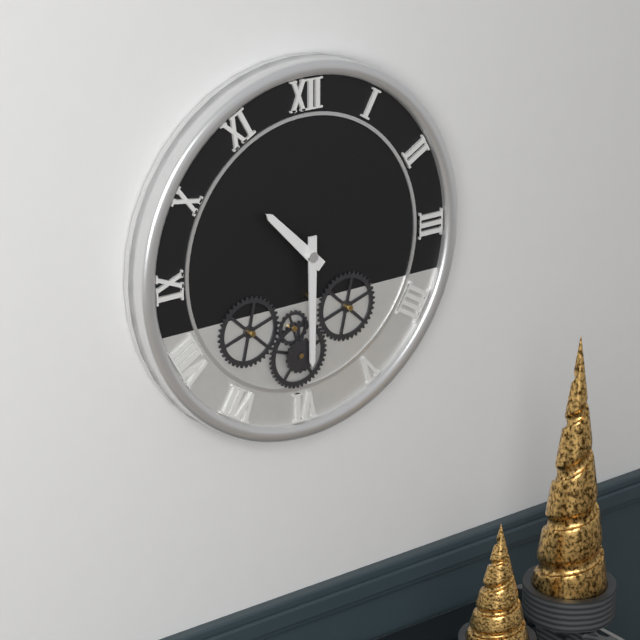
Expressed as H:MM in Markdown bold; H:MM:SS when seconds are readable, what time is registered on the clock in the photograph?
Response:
**10:30**
